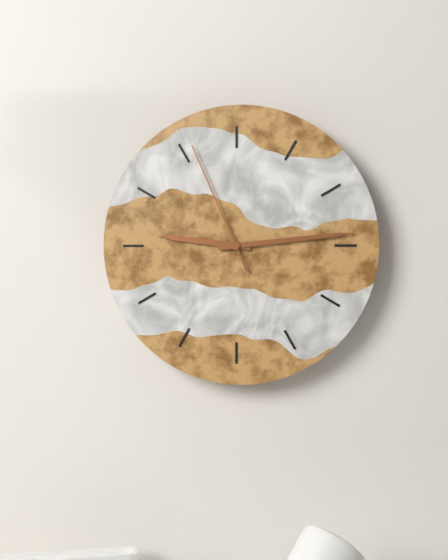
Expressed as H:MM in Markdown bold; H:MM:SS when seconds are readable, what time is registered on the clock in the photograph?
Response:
**9:14:56**
